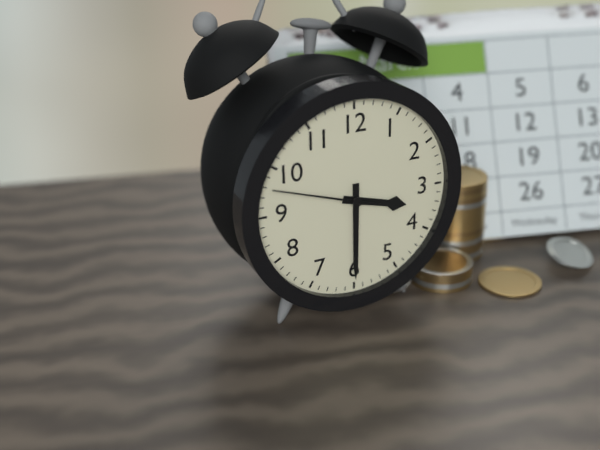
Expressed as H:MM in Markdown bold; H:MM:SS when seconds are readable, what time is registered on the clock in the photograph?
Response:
**3:30:48**
